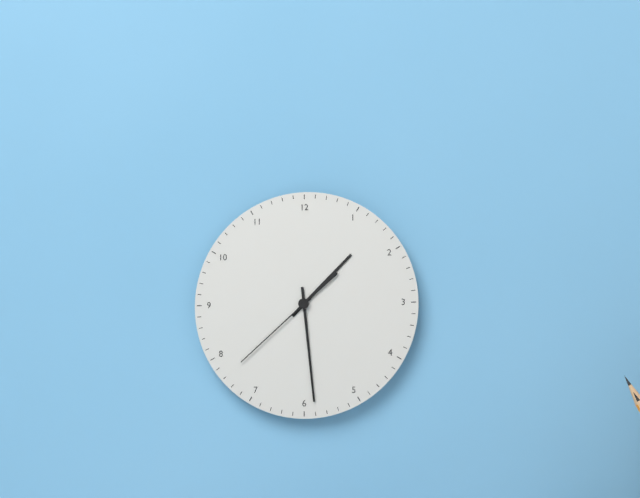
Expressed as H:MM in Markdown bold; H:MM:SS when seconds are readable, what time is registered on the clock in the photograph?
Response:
**1:29:38**
